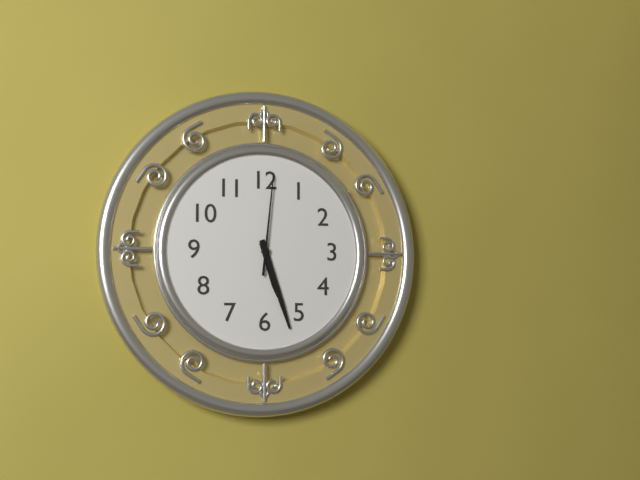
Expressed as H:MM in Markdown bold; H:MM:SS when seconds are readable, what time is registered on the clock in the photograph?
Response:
**5:27:01**
